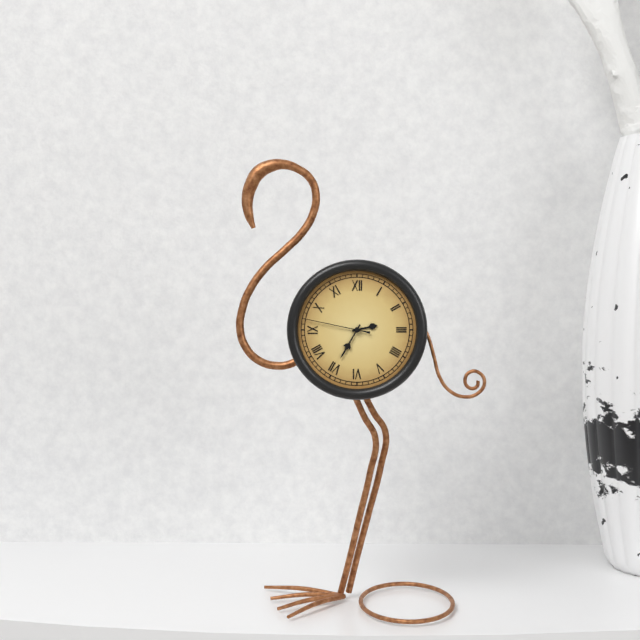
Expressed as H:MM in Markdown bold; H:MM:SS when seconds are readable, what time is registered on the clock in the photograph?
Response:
**2:35:47**
